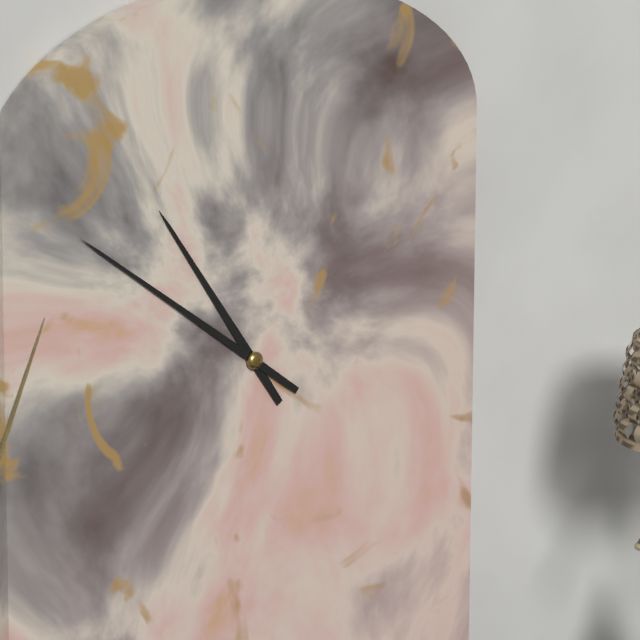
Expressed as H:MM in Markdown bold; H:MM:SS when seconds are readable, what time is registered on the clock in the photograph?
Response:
**10:51**
